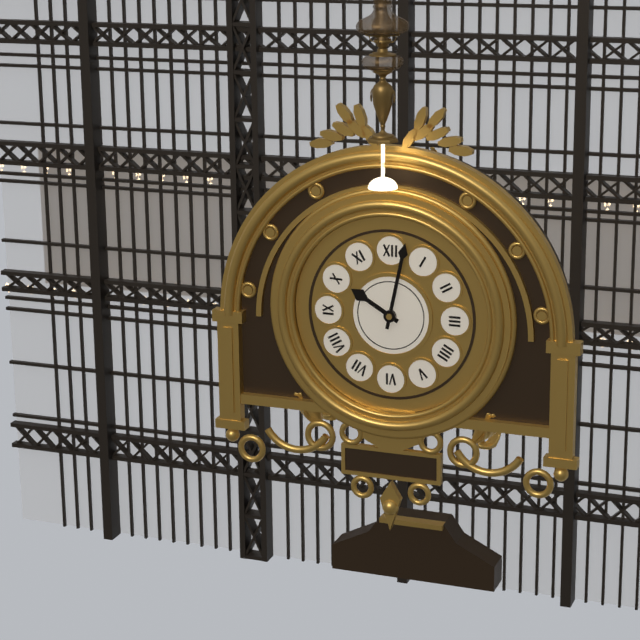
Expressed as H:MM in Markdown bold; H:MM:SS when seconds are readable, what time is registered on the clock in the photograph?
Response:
**10:02**
